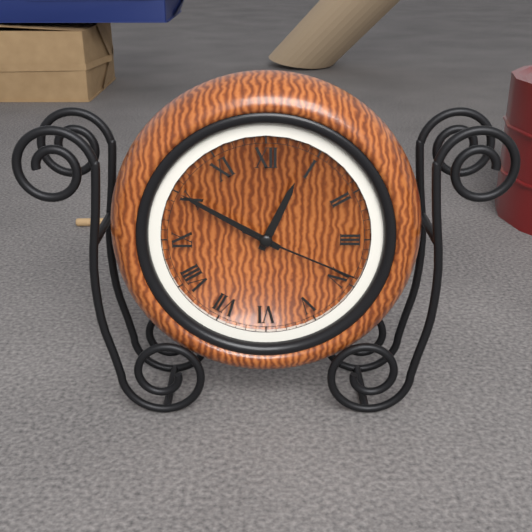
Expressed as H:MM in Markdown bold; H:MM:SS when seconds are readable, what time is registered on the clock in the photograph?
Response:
**12:50:19**
